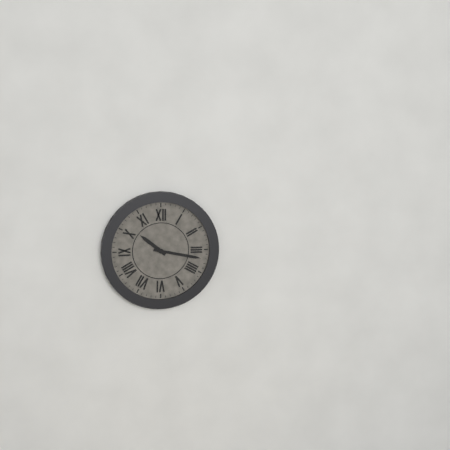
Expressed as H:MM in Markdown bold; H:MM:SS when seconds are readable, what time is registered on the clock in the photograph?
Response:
**10:17**
